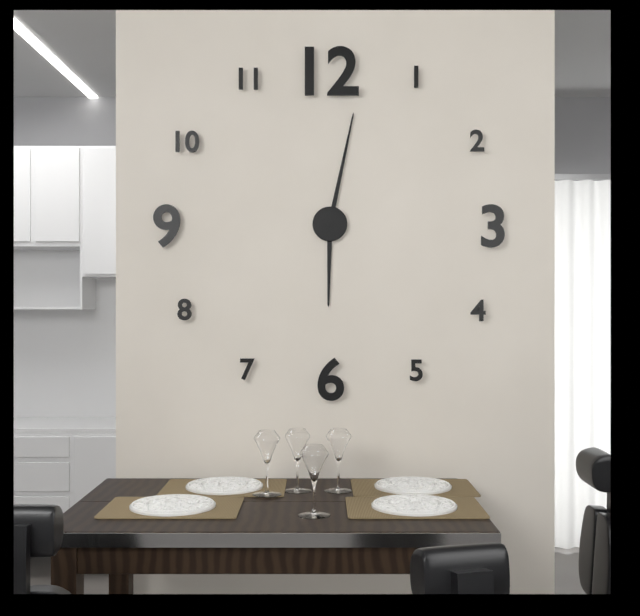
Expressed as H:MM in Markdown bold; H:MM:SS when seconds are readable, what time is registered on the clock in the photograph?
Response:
**6:02**
